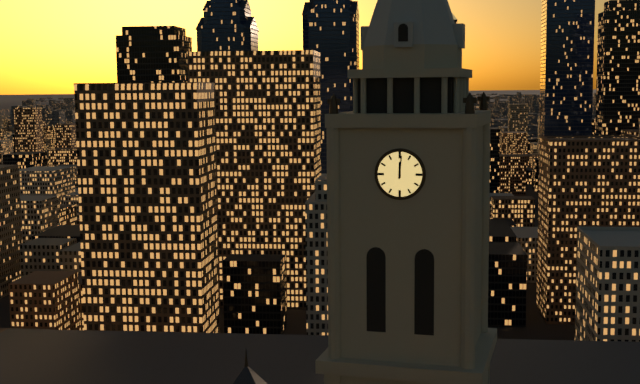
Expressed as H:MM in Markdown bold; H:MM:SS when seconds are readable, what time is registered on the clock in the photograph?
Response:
**12:01**
